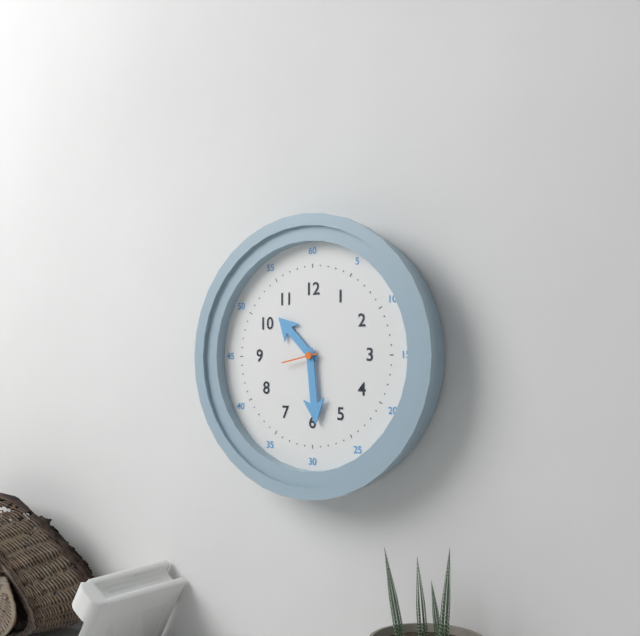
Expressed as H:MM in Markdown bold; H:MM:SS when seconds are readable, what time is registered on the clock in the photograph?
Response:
**10:29:43**
